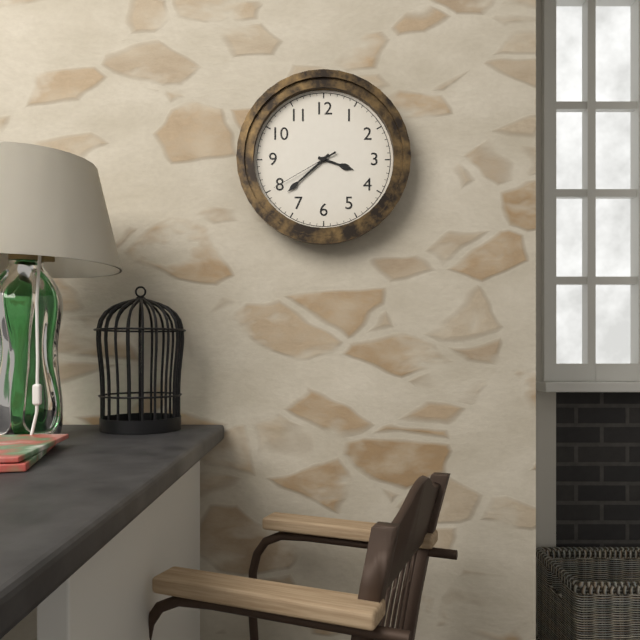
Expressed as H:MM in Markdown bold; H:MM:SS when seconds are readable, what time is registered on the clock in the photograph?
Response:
**3:38:40**
